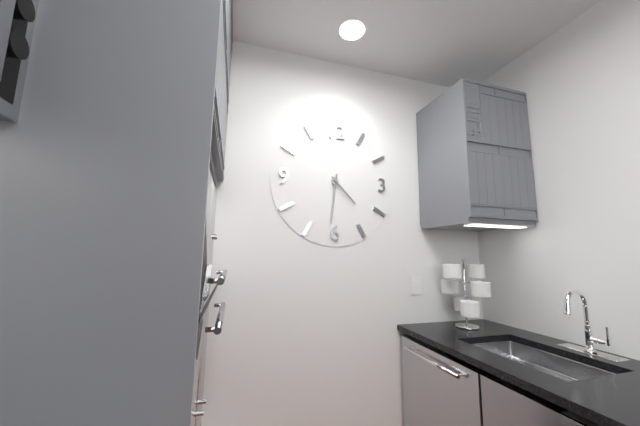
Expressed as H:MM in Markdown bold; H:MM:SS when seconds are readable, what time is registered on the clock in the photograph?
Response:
**4:31**
